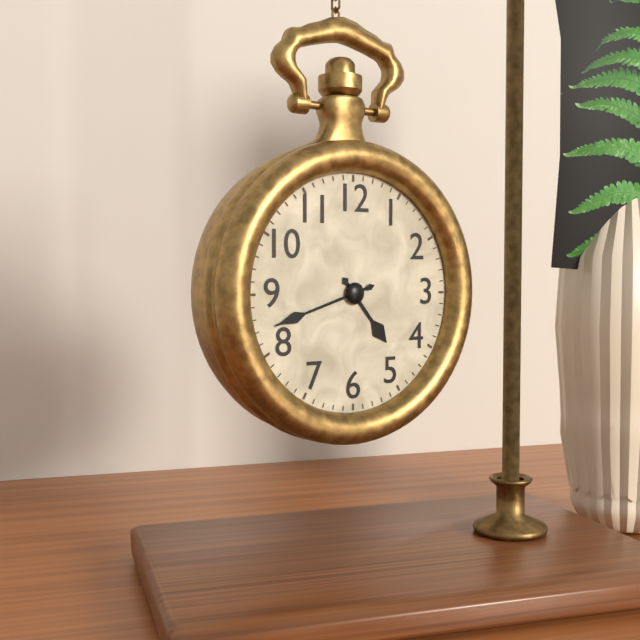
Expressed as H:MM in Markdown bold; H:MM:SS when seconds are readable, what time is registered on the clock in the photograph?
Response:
**4:42**
